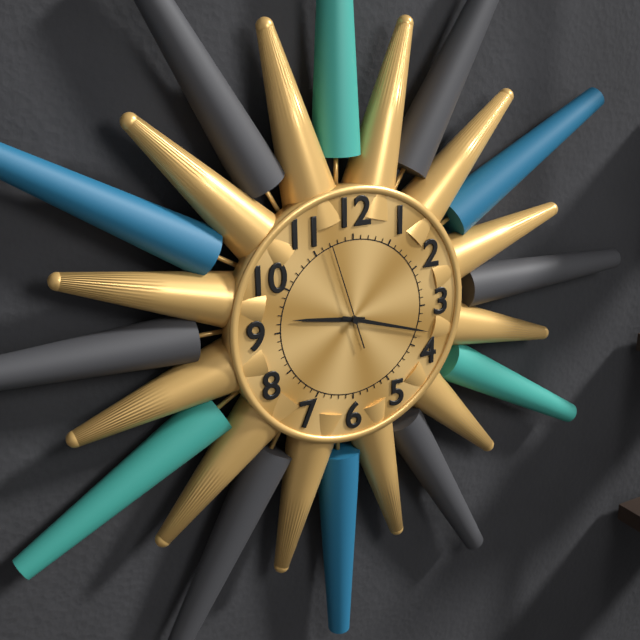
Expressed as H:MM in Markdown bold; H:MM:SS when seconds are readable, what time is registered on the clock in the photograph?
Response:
**9:18:57**
